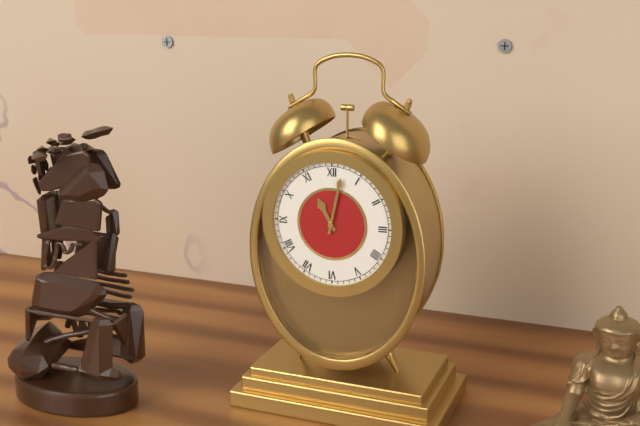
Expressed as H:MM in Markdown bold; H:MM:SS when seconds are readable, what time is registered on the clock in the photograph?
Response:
**11:02**
